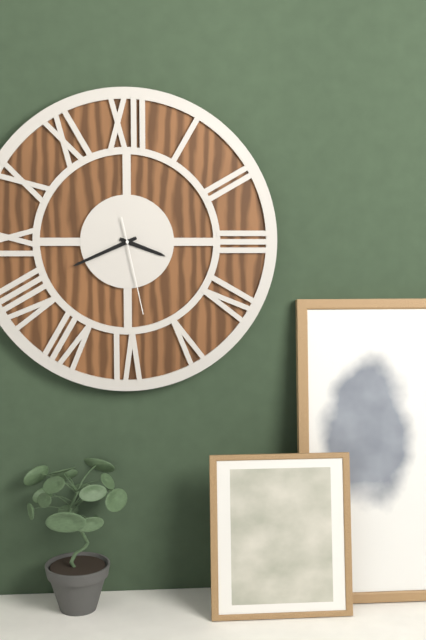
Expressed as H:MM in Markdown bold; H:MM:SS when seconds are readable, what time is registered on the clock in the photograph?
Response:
**3:41:28**
